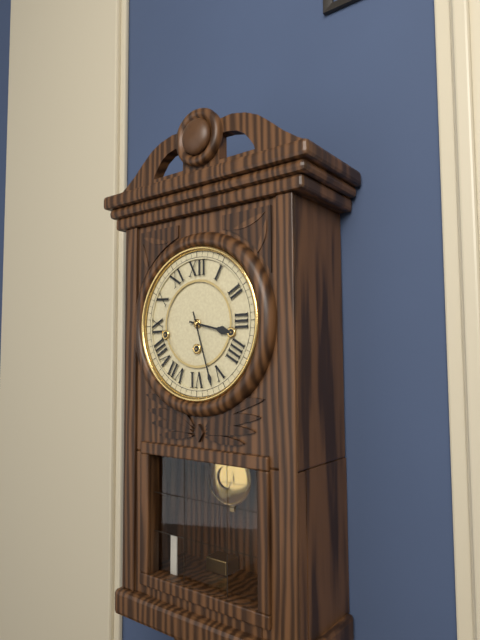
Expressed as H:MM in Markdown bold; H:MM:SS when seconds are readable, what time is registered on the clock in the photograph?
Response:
**3:27**
